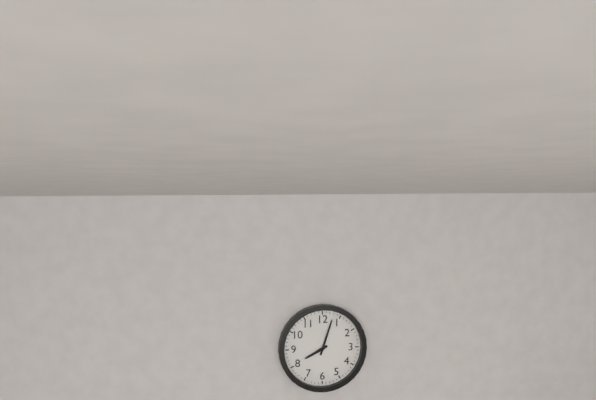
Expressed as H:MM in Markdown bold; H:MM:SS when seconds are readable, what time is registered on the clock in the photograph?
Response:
**8:03**
